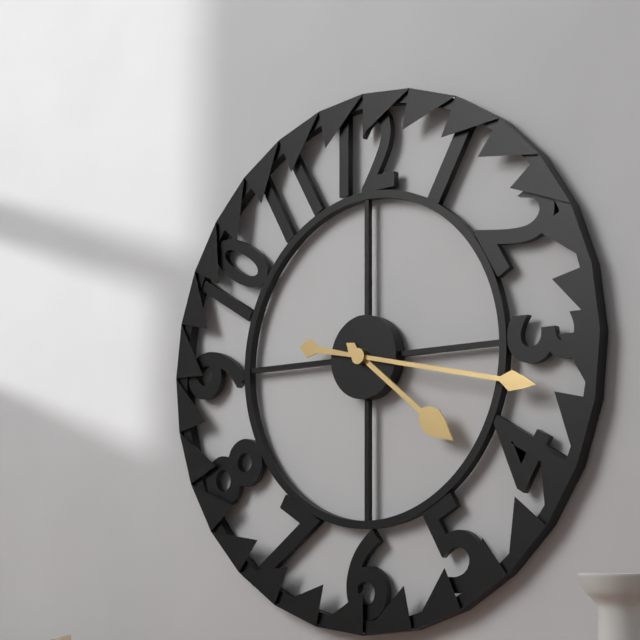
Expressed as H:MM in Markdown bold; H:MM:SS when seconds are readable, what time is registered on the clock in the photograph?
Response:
**4:17**
